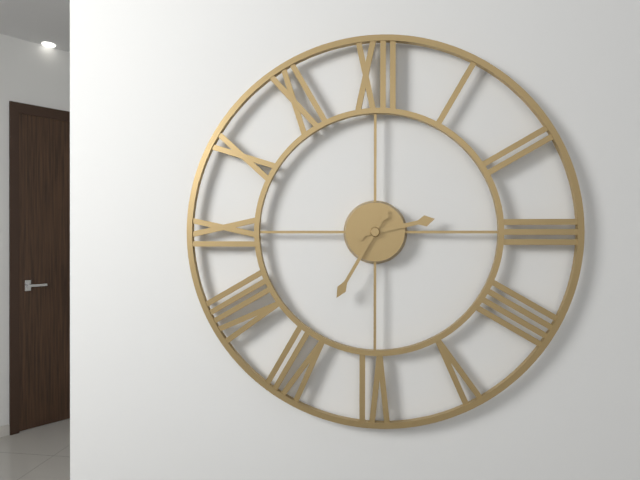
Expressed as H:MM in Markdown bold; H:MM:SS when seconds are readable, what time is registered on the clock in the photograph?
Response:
**2:35**
